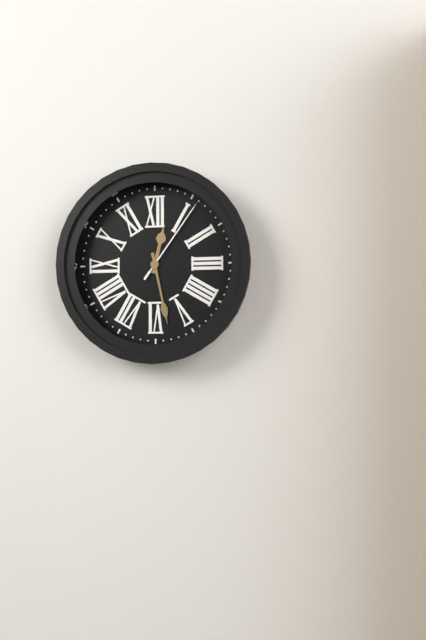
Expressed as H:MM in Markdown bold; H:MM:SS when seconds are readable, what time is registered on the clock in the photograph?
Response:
**12:28:06**
